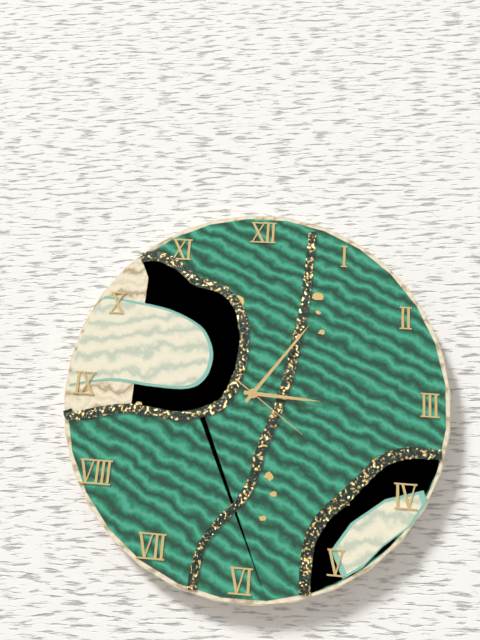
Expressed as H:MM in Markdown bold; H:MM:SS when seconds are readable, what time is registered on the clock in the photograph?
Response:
**3:06:21**
